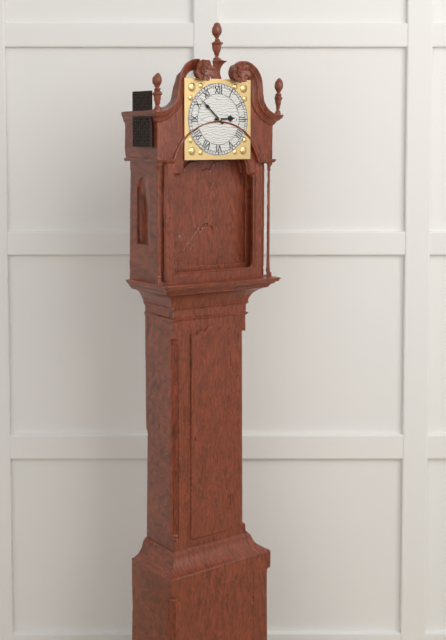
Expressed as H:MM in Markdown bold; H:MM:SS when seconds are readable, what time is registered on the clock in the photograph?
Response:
**2:52**
